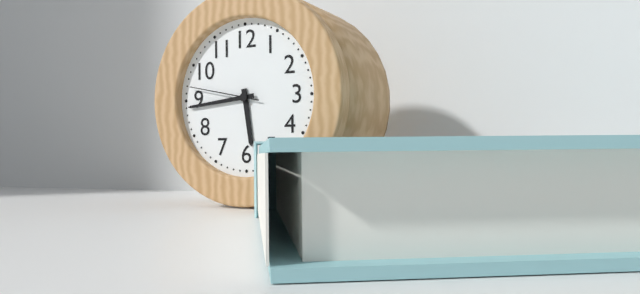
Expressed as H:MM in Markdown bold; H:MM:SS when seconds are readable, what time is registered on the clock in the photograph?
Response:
**5:44:47**
